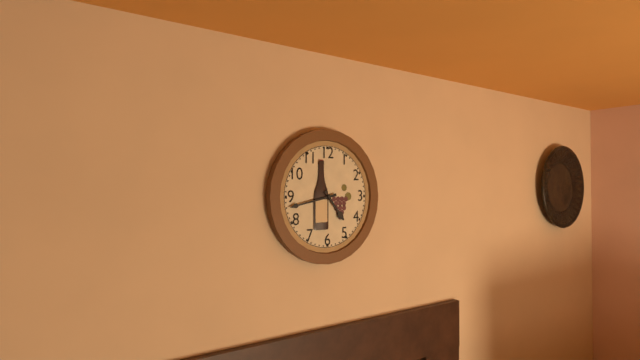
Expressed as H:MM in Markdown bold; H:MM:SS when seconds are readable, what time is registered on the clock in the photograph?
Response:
**4:43**
